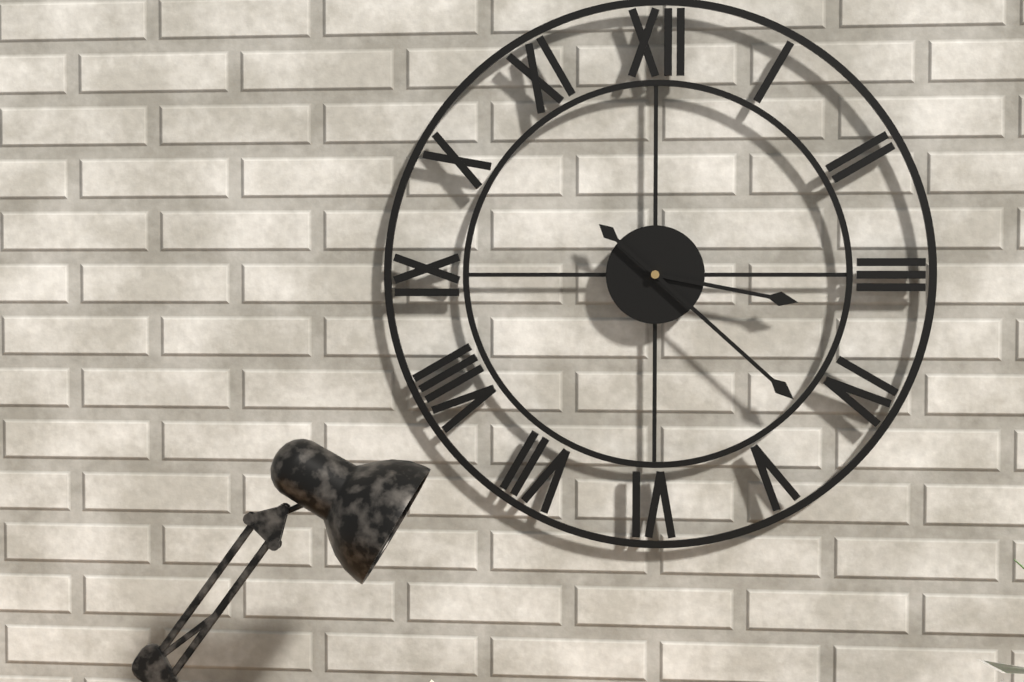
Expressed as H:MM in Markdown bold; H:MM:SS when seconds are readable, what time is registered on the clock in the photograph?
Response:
**3:22**
